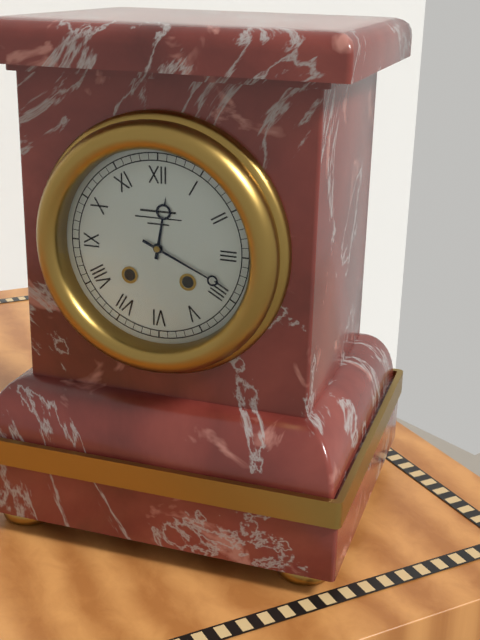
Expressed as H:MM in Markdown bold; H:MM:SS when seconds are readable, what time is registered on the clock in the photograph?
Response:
**12:19**
